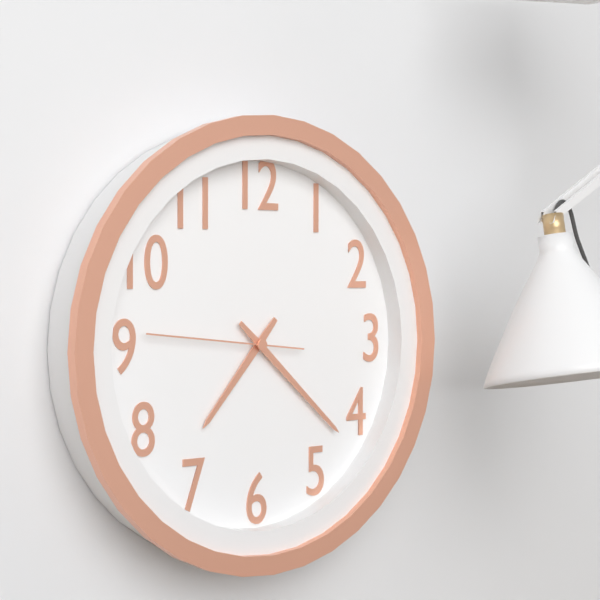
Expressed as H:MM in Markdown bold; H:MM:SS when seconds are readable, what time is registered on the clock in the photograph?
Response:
**7:22:46**
